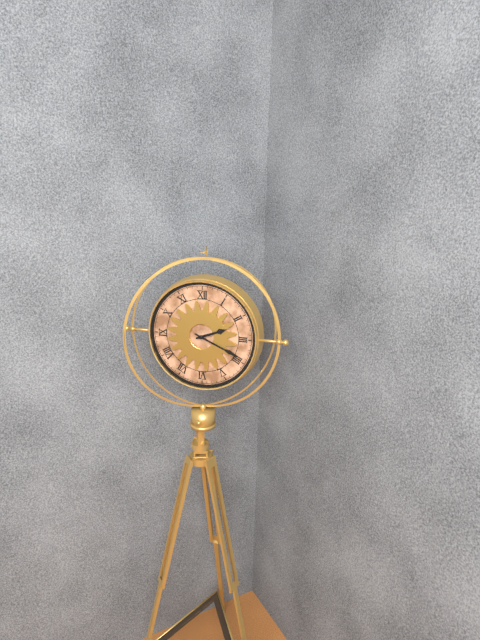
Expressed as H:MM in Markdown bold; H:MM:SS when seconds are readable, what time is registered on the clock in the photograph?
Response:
**2:19**
